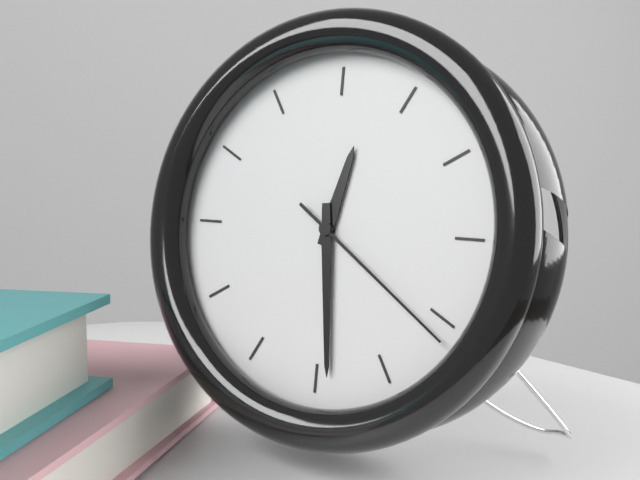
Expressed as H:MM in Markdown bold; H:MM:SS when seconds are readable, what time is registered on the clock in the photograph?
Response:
**12:29:21**
